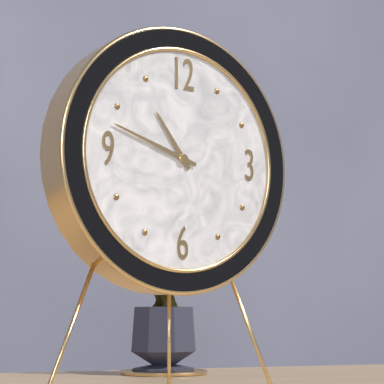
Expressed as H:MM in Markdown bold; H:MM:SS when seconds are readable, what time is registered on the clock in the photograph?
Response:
**10:48**
